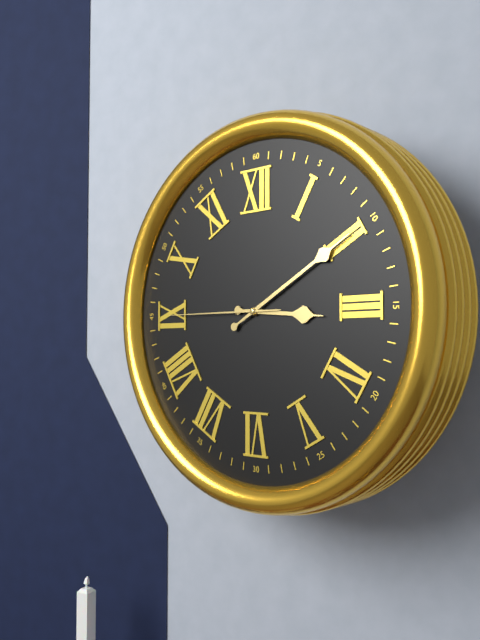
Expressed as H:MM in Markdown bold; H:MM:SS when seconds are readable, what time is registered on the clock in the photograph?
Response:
**3:10:45**
